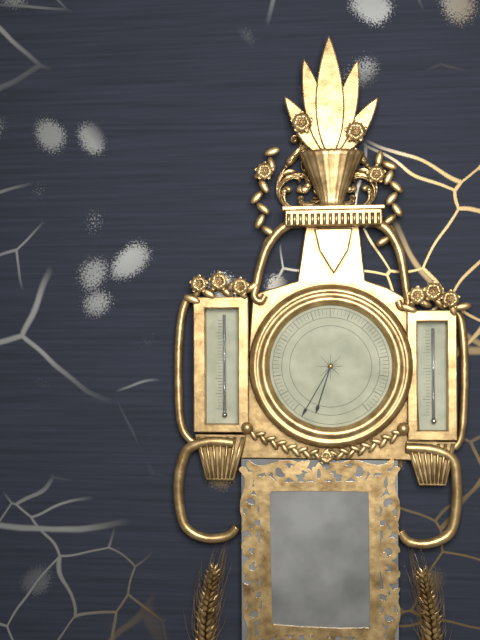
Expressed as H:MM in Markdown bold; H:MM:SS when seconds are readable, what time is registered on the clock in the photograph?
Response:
**6:35**
